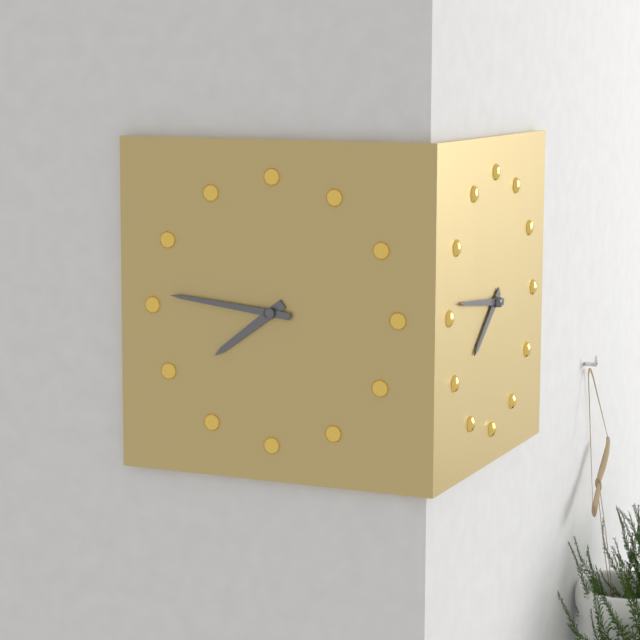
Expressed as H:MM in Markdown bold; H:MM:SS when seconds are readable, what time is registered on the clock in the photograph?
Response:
**7:46**
